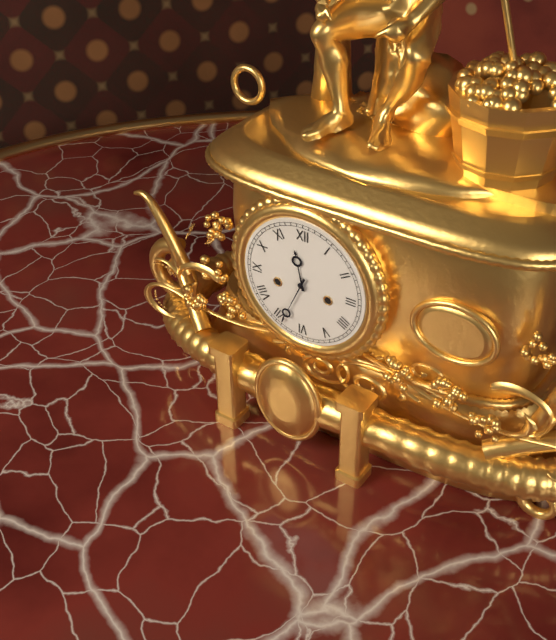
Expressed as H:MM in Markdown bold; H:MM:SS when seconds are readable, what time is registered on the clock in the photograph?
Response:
**11:34**
